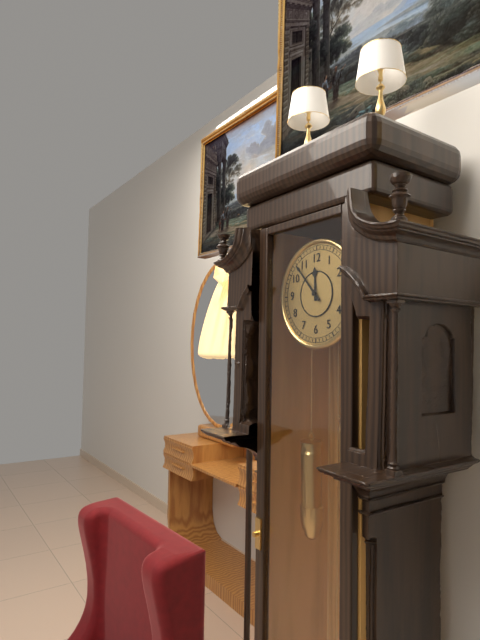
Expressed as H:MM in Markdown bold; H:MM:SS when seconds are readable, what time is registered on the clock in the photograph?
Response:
**11:53**
